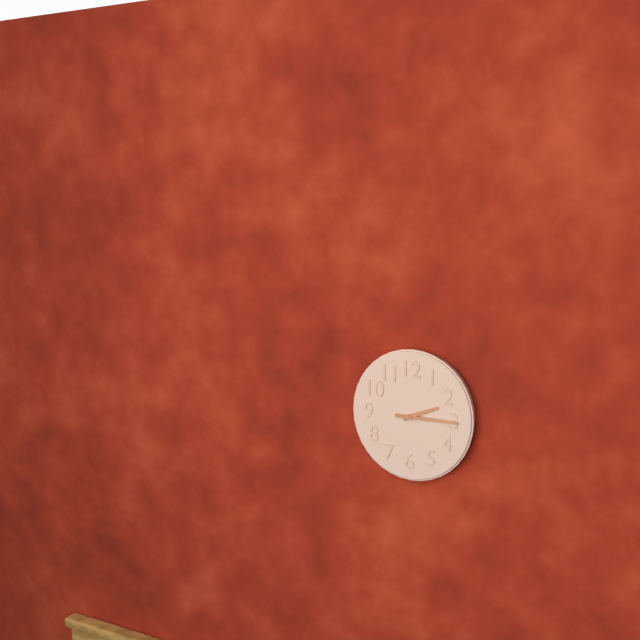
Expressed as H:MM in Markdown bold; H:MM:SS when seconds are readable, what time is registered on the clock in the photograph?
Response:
**2:15**
